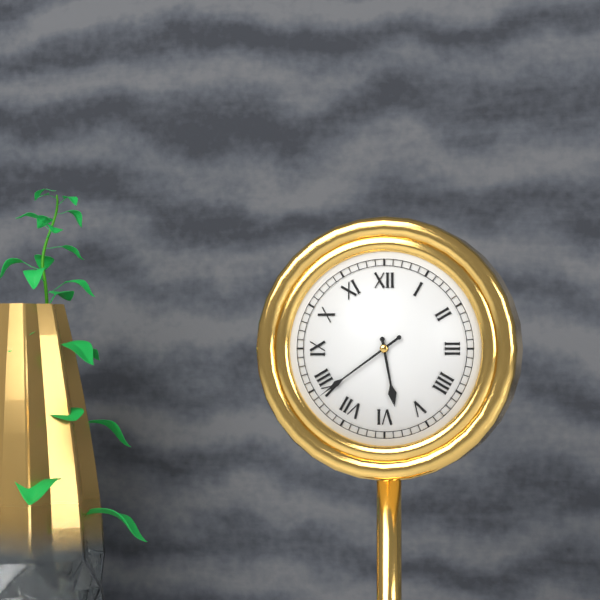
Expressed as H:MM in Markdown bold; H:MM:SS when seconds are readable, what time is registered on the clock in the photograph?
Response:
**5:39**
